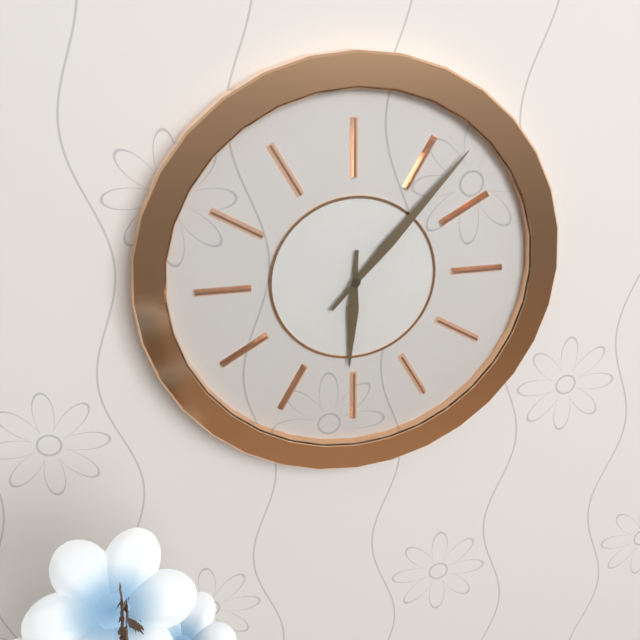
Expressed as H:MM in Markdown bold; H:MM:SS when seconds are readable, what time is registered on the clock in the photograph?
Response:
**6:07**
